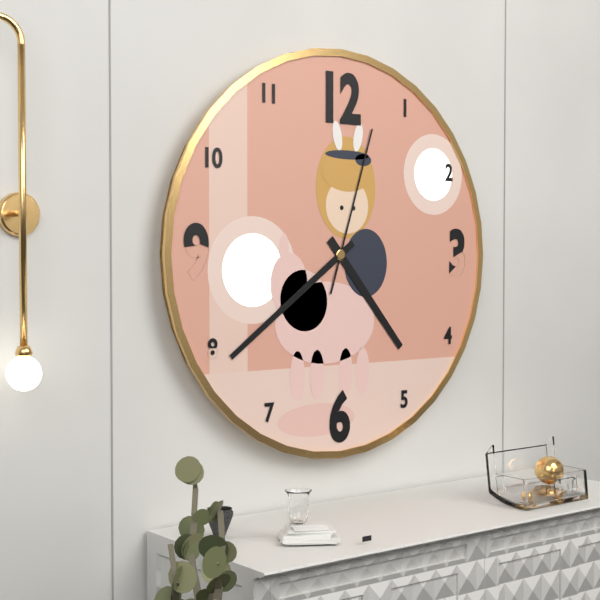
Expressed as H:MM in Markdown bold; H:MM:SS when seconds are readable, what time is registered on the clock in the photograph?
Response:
**4:39:03**
